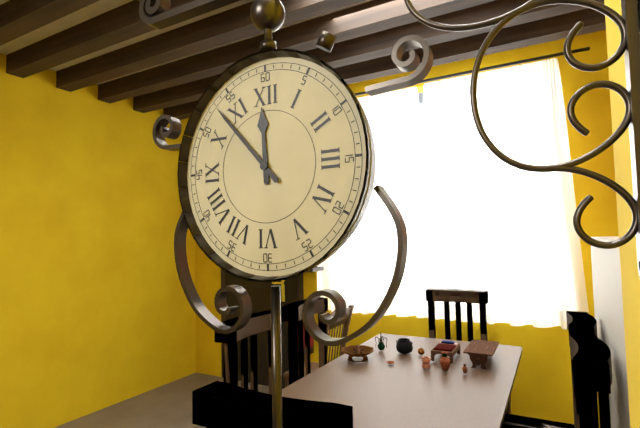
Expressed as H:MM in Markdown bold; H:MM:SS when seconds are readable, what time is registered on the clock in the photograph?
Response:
**11:53**
